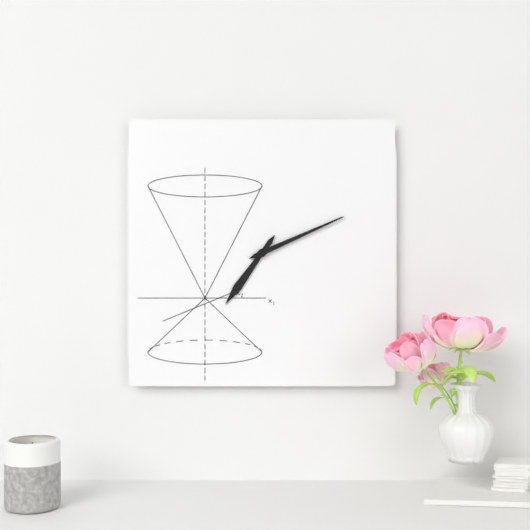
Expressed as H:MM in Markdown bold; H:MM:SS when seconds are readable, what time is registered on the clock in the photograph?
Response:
**7:11**
